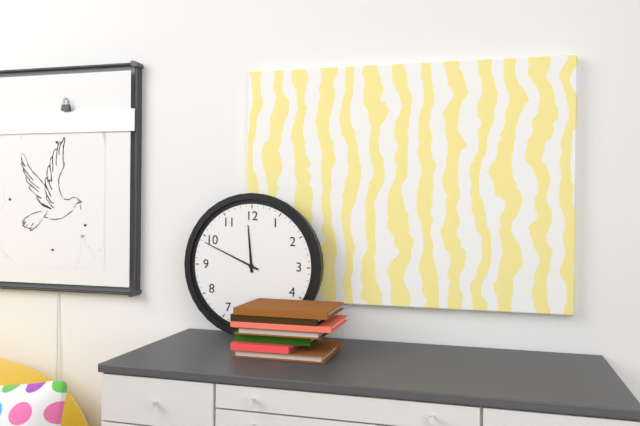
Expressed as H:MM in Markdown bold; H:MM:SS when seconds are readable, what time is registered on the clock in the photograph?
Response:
**11:49**
